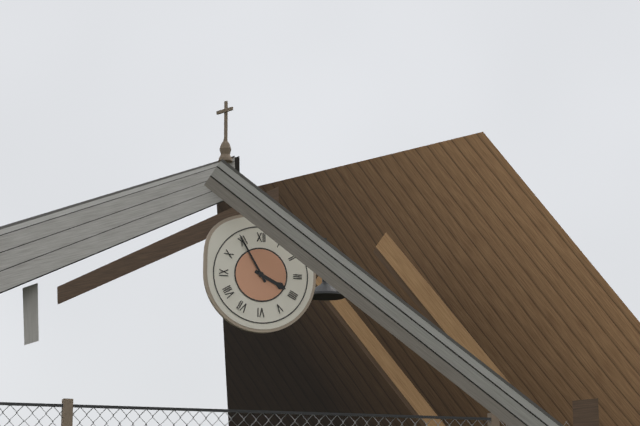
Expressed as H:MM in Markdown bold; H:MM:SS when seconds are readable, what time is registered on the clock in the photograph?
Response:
**3:55**
